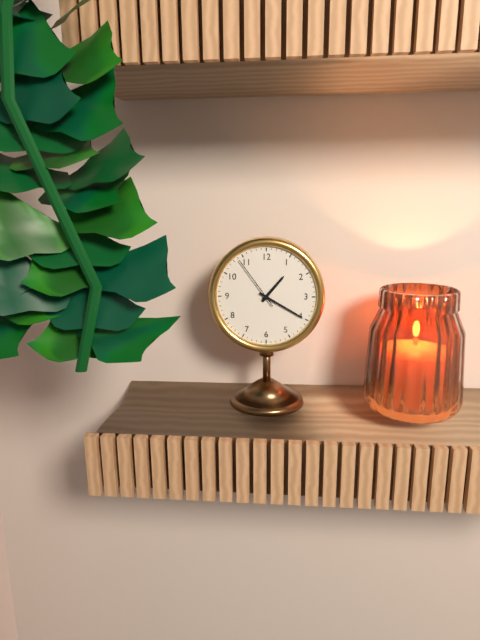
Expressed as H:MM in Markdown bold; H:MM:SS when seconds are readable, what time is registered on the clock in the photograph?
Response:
**1:20:54**
